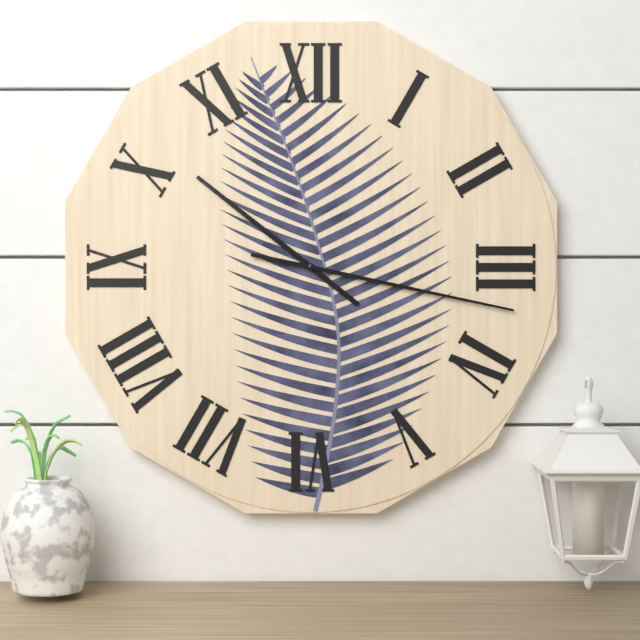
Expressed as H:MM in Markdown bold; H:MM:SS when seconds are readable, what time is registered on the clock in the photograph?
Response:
**10:17**
